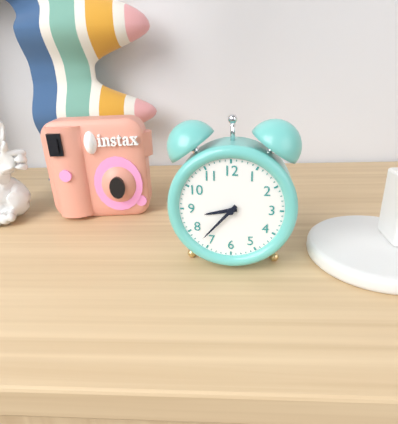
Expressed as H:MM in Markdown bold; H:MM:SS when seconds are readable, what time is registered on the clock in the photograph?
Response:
**8:37**
